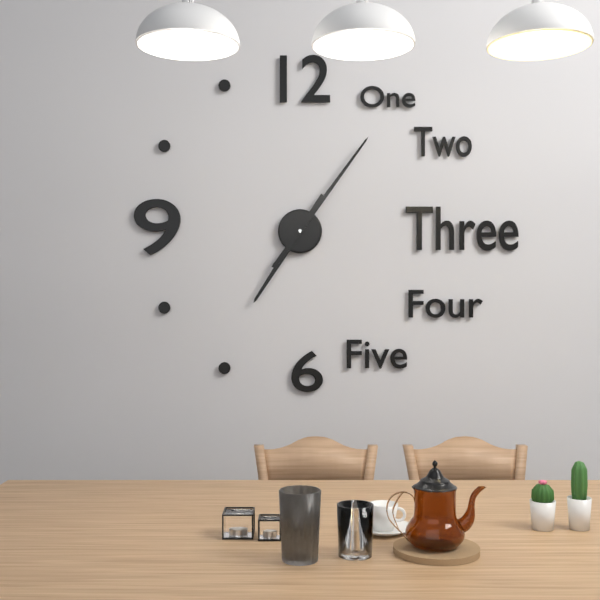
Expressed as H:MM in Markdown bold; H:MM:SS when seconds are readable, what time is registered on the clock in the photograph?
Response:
**7:06**
